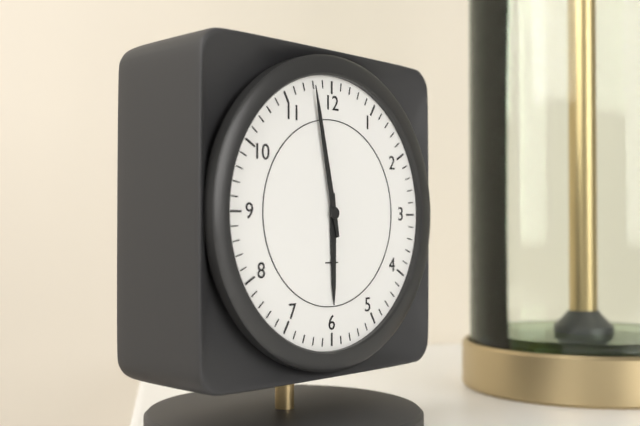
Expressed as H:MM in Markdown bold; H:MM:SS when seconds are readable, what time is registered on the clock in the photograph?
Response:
**5:58**
